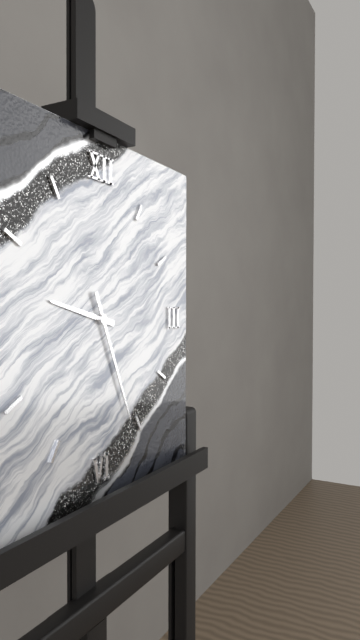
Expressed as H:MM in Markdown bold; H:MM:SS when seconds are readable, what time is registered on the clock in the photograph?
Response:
**9:26**
